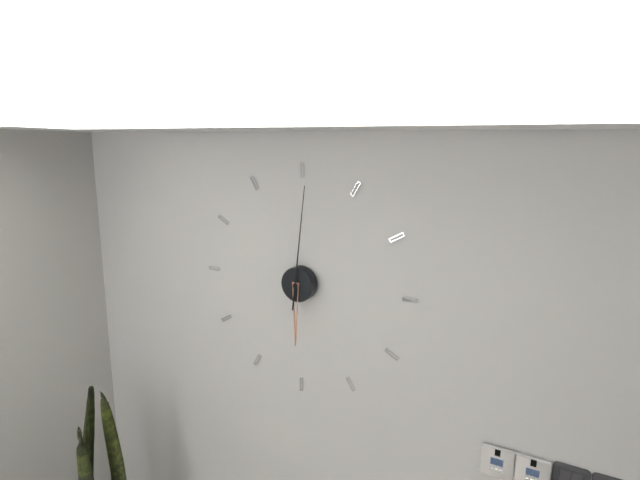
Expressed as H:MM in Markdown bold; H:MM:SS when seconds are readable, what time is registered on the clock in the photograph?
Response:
**6:01**
